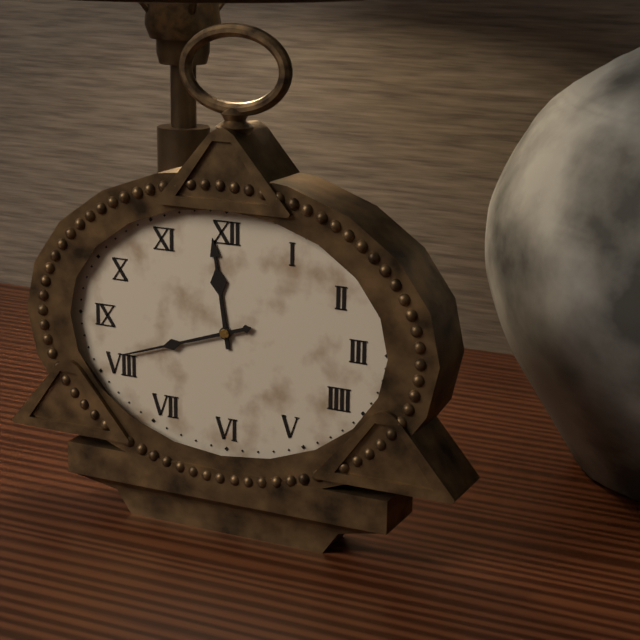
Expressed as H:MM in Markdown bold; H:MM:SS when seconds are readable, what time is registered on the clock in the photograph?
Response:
**11:42**
